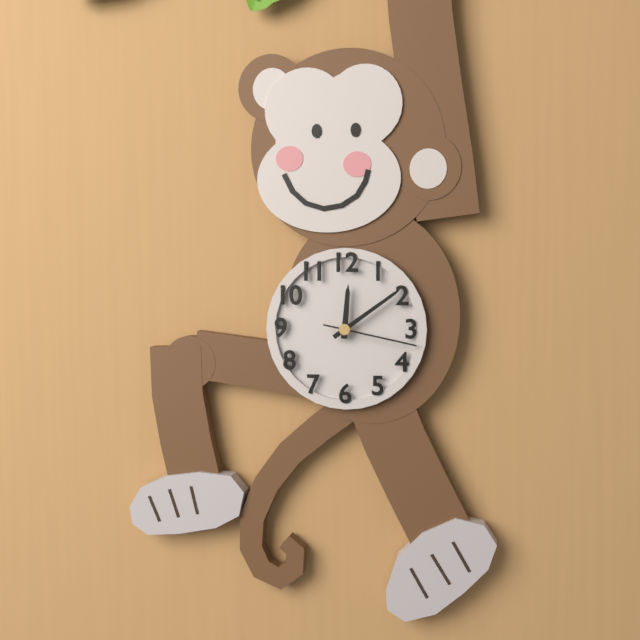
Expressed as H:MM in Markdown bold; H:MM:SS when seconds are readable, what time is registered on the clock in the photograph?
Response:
**12:09:17**
